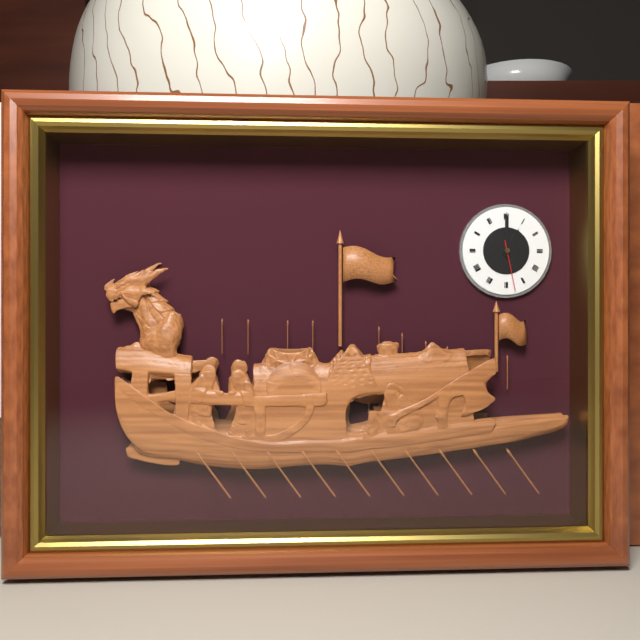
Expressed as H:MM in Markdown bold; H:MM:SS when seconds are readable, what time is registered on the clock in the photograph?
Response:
**1:00:28**
